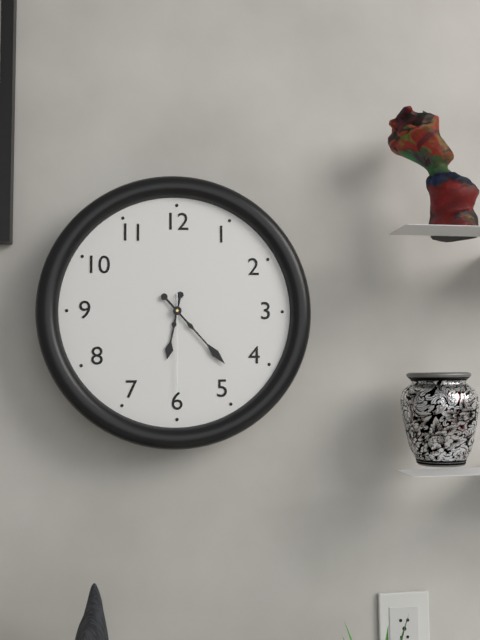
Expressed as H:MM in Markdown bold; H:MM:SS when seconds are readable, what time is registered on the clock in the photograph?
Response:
**6:23:30**
